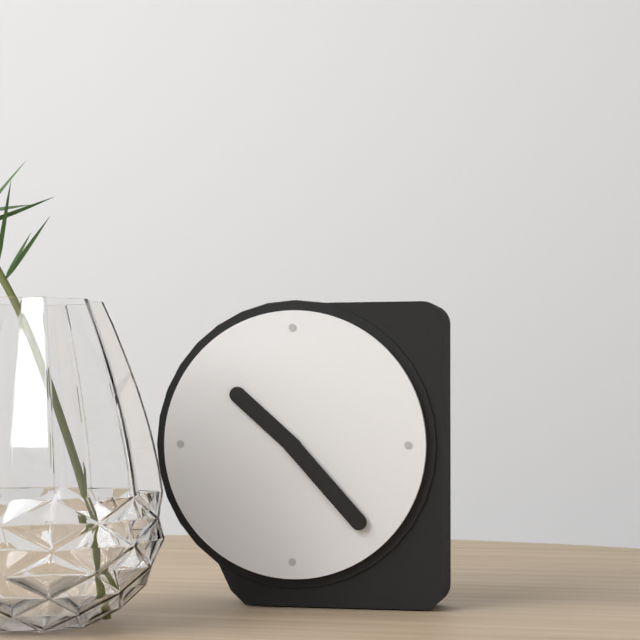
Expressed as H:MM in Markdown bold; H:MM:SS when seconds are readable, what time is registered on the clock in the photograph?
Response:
**10:23**
